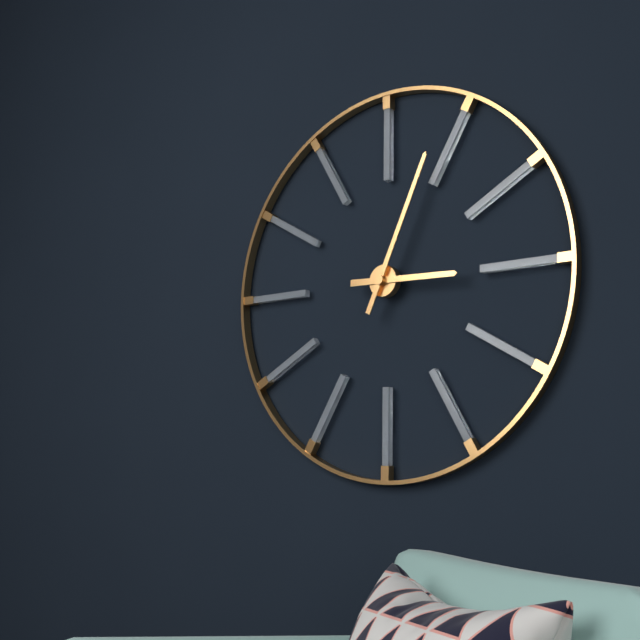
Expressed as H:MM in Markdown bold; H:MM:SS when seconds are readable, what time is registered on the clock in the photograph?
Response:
**3:04**
